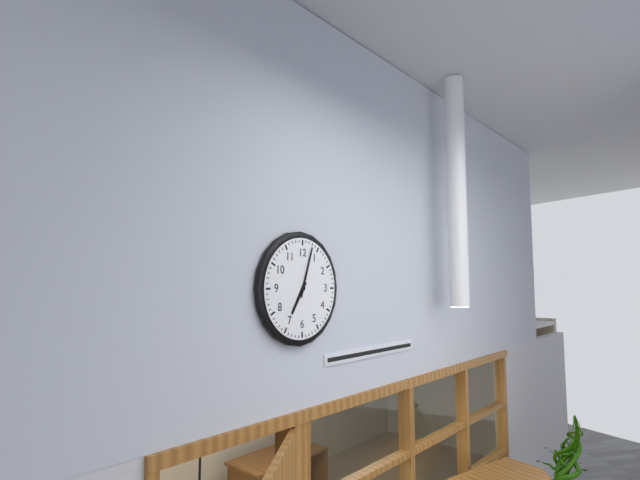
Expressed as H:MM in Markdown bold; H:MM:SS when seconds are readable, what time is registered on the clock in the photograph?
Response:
**7:03**
